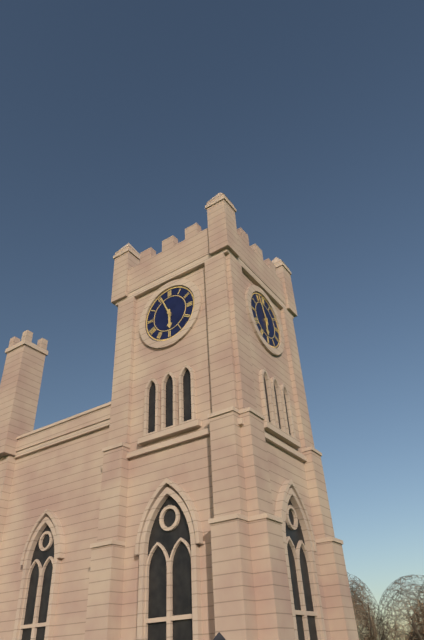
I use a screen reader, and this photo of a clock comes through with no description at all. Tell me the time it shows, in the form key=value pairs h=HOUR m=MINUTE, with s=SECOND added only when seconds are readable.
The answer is h=5 m=56
